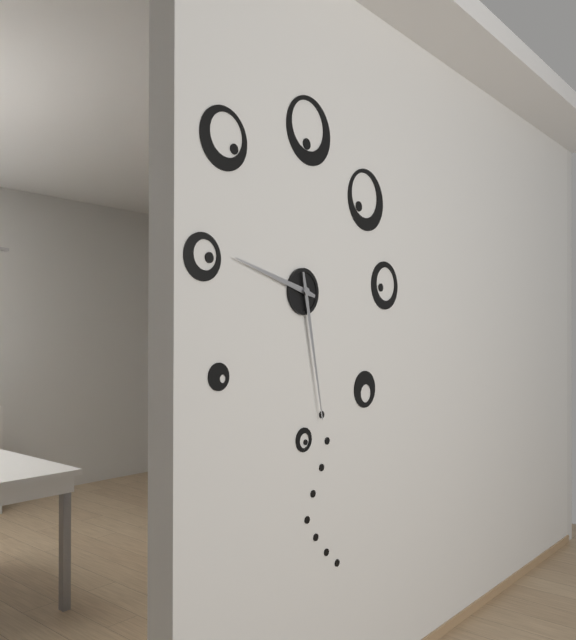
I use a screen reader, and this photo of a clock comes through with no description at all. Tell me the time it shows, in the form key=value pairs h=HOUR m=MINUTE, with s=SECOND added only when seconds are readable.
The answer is h=9 m=28
